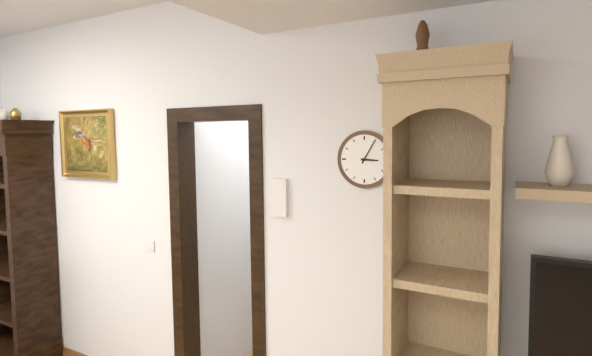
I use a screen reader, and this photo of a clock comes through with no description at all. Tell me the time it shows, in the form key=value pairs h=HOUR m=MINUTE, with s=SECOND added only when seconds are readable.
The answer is h=3 m=5
